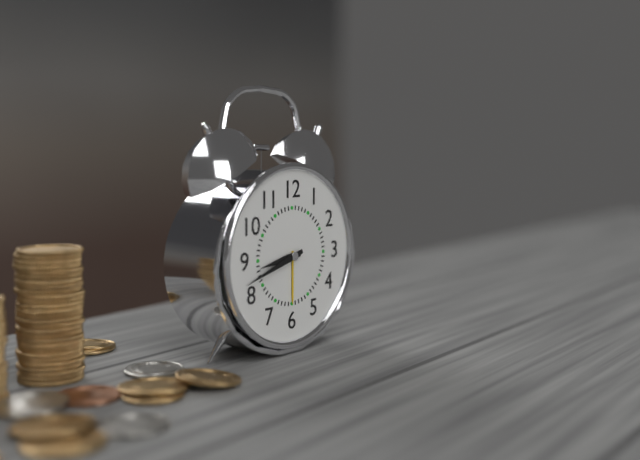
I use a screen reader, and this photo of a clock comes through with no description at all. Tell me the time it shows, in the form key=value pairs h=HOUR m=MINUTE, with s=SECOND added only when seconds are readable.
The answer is h=8 m=42
